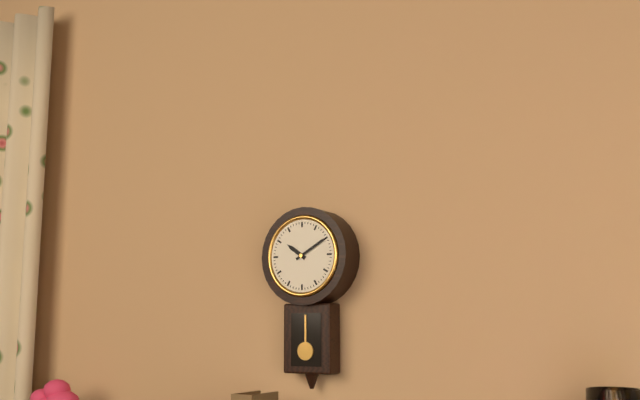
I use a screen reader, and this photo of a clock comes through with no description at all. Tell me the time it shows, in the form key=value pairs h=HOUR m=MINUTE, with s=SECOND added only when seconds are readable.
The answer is h=10 m=10
